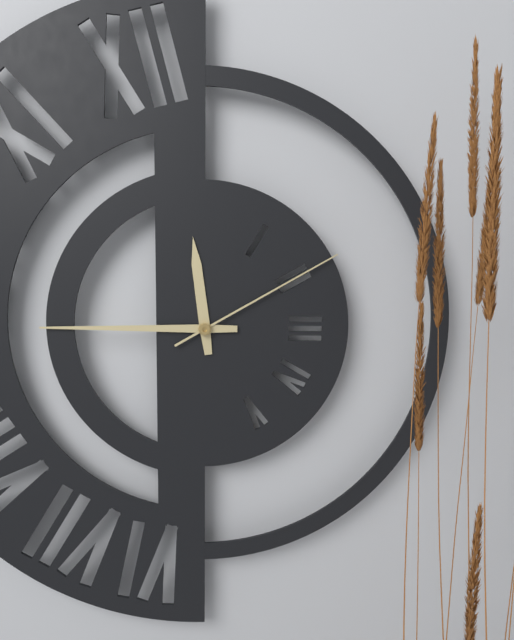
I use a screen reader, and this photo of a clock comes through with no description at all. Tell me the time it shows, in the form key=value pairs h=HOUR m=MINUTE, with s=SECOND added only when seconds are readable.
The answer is h=11 m=45 s=10
